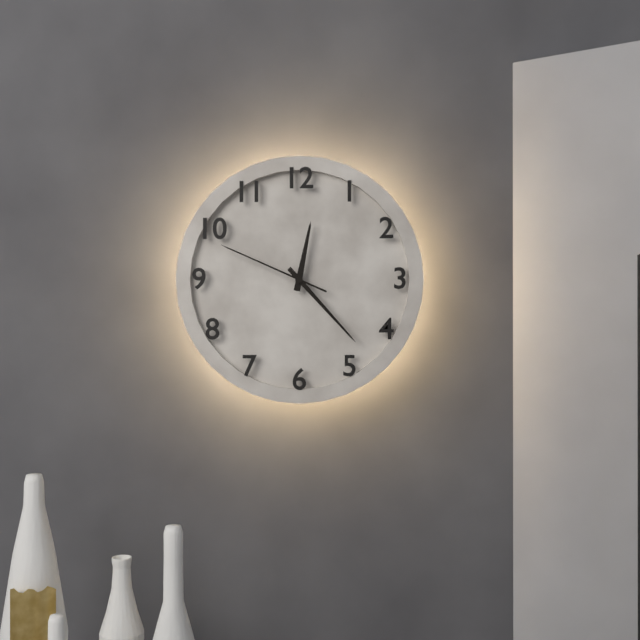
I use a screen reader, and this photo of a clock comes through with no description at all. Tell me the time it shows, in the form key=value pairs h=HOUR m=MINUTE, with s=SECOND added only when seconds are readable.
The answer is h=12 m=23 s=49
